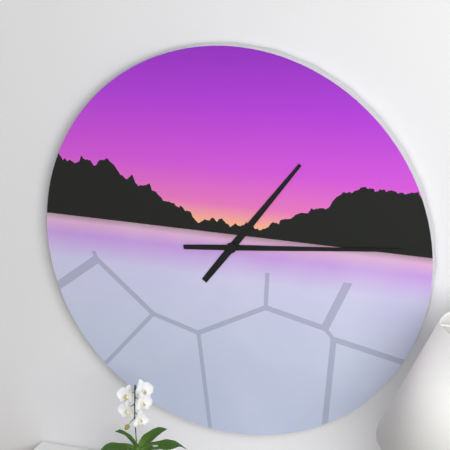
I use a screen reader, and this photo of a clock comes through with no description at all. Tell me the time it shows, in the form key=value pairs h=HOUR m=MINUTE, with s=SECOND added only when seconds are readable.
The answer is h=1 m=14
